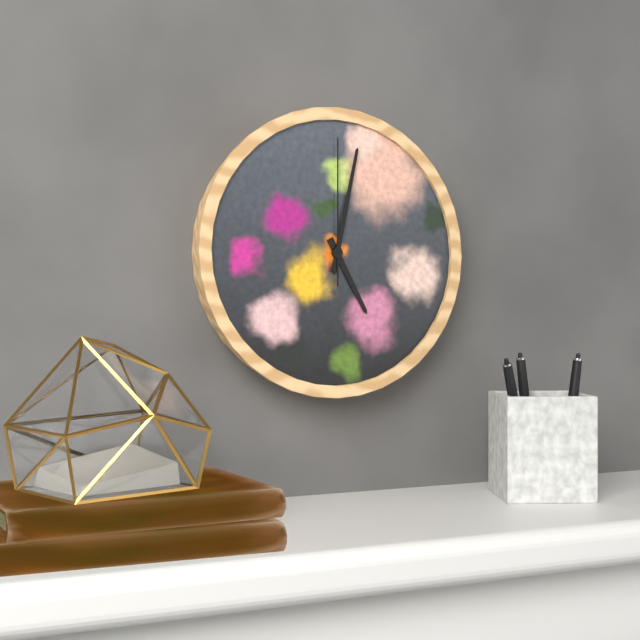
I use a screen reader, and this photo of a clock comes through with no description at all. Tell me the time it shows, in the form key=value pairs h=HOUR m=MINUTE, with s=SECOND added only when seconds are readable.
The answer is h=5 m=2 s=0
